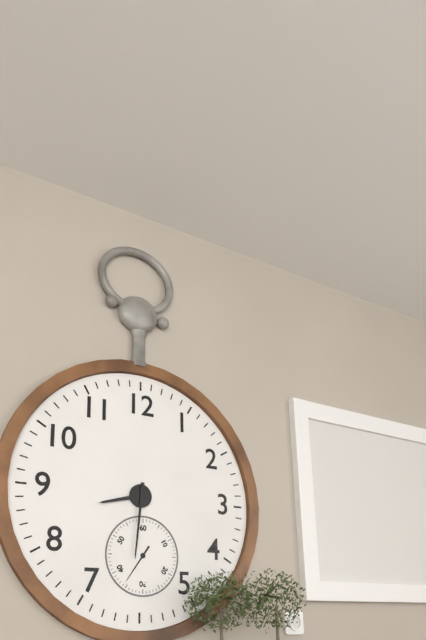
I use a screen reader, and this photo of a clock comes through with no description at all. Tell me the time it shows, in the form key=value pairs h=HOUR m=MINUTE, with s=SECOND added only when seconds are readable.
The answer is h=8 m=31
